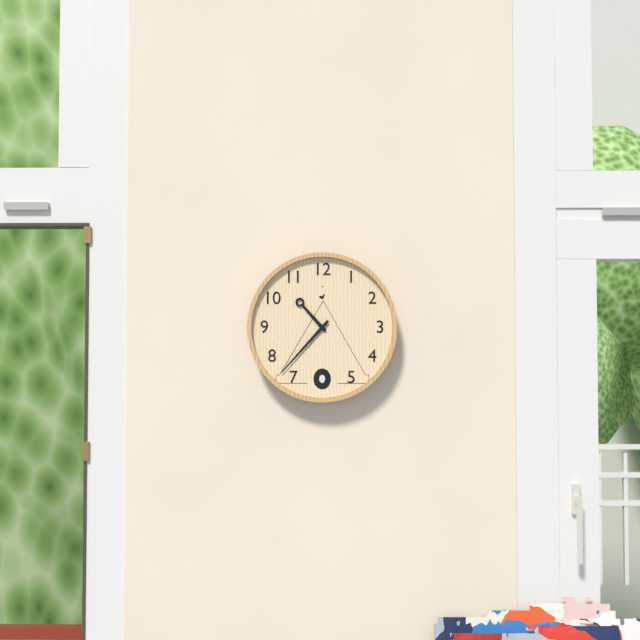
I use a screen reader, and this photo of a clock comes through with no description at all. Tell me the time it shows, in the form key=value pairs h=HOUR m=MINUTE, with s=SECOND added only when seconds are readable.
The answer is h=10 m=37
